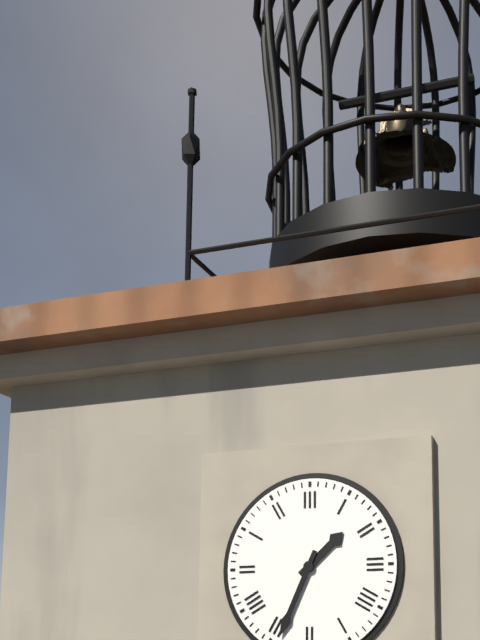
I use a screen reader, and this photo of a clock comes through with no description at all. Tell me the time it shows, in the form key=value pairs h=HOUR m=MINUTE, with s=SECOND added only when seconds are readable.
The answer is h=1 m=34
